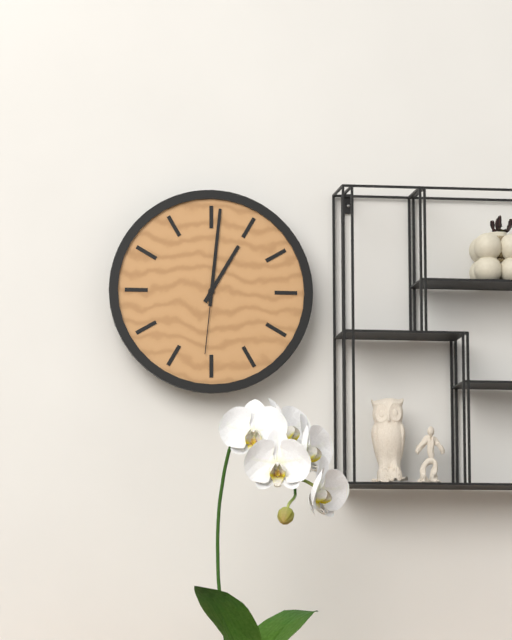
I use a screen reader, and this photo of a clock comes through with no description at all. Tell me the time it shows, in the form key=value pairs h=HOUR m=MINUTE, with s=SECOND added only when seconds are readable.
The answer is h=1 m=1 s=31
